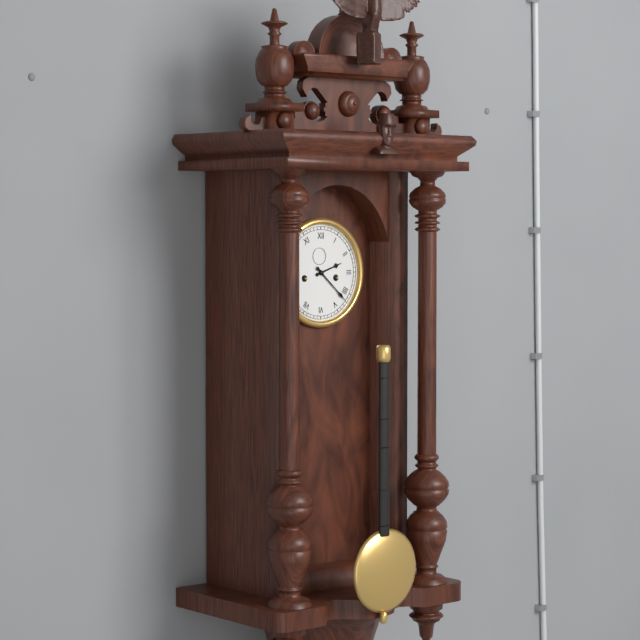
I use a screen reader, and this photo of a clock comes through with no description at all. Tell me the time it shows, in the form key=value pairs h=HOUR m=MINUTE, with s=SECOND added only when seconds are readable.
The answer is h=2 m=22
